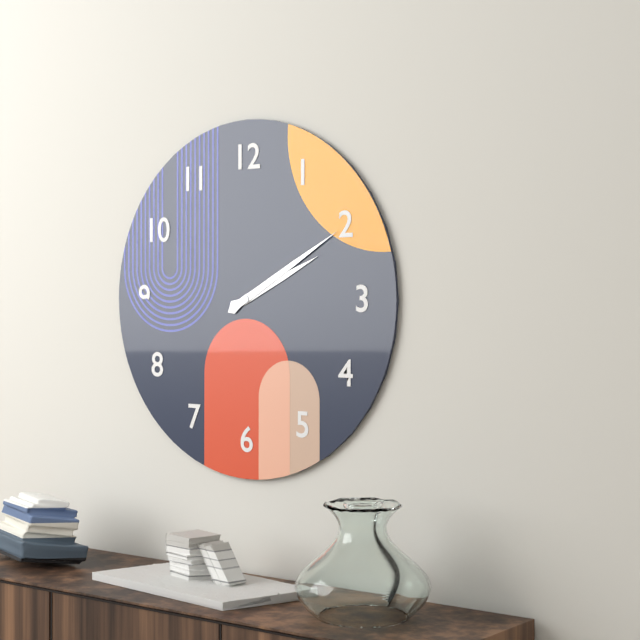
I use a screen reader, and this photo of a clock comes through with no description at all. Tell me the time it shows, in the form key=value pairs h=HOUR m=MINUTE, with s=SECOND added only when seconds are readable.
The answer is h=2 m=10
